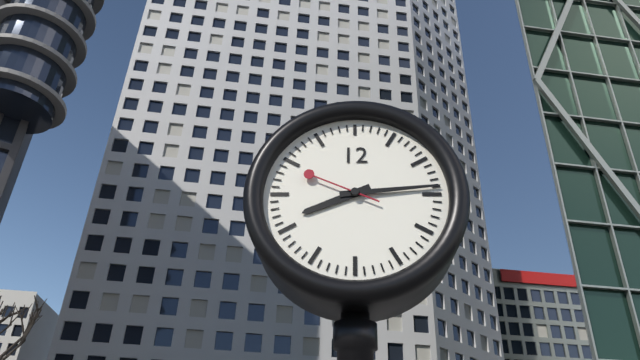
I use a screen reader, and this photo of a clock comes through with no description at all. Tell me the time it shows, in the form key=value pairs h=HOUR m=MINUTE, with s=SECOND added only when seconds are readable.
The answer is h=8 m=14 s=49
